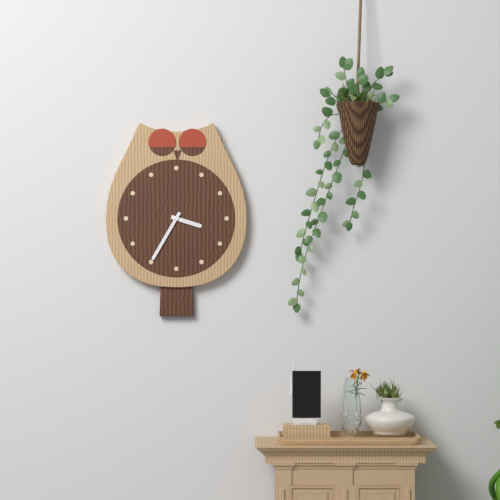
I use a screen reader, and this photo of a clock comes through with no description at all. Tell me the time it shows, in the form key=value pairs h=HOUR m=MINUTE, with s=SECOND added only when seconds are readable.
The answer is h=3 m=35
